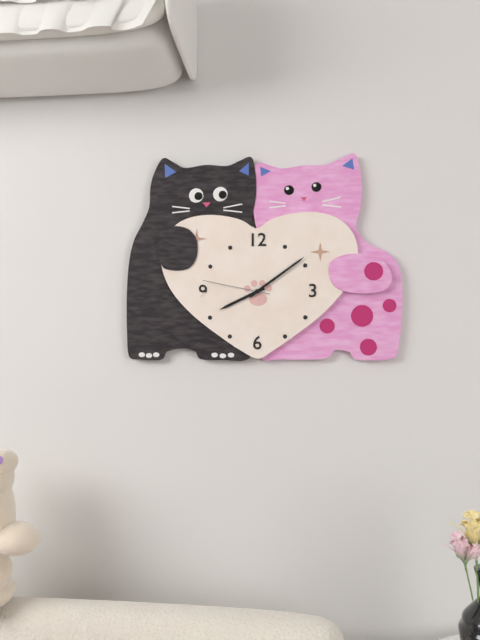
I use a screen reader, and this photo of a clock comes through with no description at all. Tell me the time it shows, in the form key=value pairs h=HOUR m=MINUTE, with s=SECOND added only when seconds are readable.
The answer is h=8 m=9 s=47
